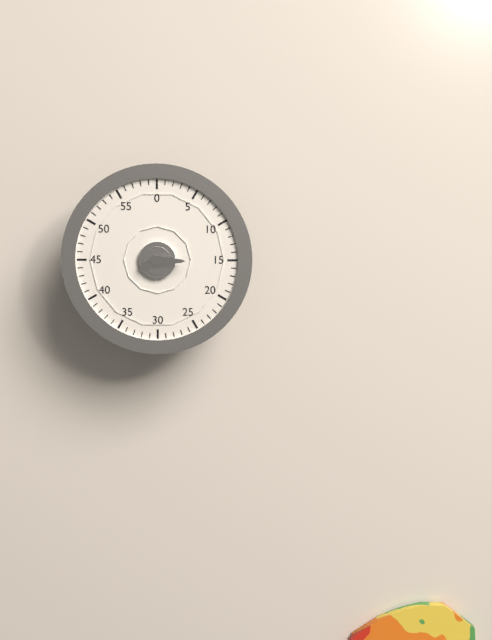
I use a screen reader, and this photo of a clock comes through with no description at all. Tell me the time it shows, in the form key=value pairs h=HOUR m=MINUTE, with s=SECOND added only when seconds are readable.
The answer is h=8 m=15
